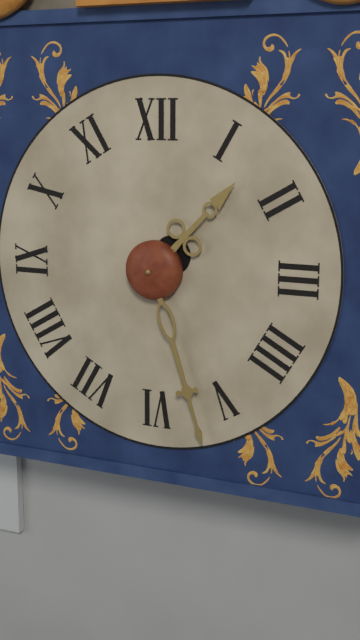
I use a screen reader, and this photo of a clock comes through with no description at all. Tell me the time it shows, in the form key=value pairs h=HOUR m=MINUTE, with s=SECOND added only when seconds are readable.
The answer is h=1 m=27
